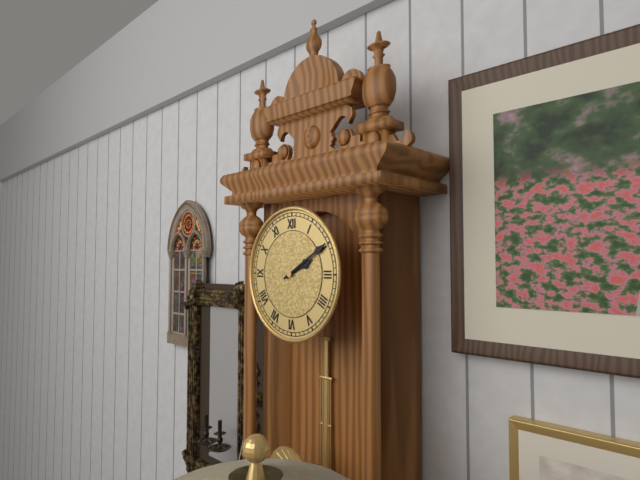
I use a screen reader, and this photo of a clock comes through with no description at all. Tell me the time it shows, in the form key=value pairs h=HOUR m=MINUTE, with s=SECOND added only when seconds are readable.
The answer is h=2 m=10
